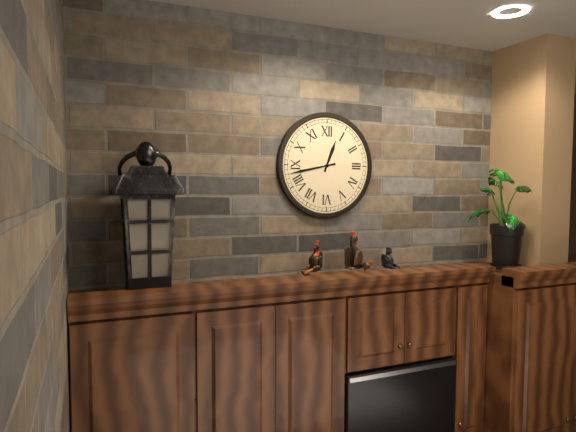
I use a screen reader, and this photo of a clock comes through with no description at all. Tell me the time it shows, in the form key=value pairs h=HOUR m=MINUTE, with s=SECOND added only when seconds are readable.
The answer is h=12 m=43
